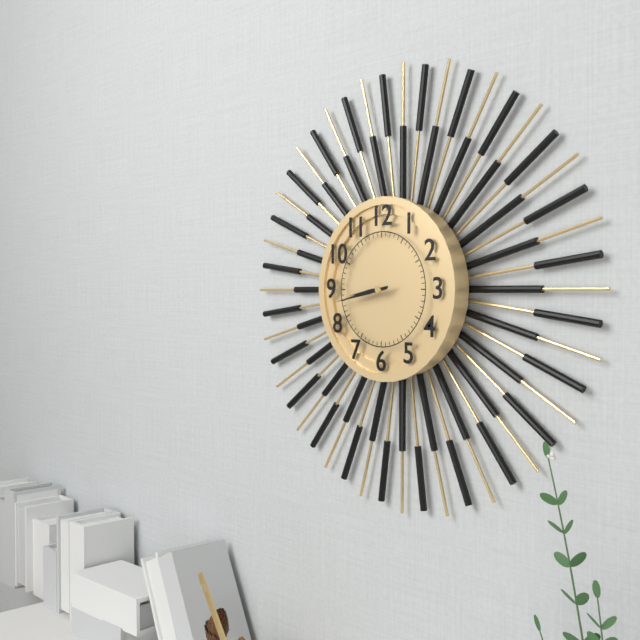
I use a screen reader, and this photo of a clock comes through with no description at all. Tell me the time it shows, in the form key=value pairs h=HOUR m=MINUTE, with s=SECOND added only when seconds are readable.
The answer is h=8 m=43
